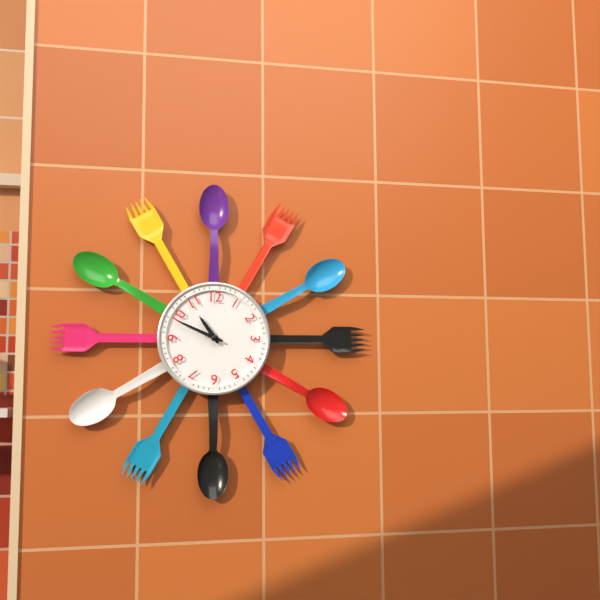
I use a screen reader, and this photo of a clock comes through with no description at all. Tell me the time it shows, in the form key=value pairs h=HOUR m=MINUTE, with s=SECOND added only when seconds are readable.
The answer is h=10 m=49
